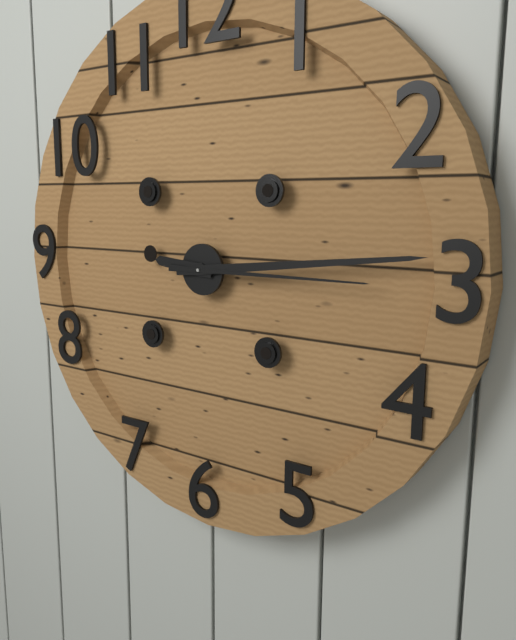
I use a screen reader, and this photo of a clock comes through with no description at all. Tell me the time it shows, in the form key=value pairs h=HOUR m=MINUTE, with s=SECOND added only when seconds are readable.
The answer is h=9 m=14 s=15
